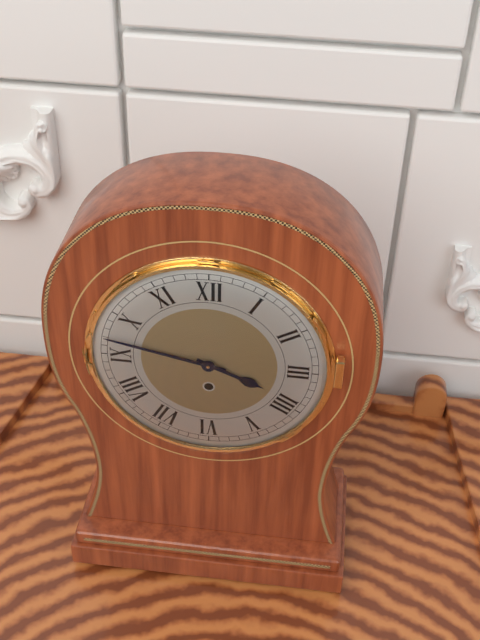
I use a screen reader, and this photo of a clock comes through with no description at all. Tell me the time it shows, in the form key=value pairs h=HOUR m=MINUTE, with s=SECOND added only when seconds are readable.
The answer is h=3 m=47
